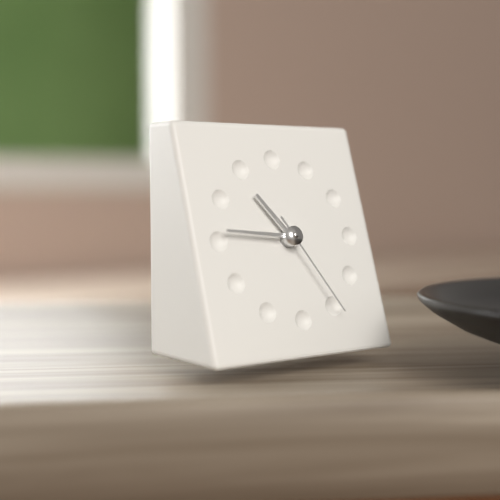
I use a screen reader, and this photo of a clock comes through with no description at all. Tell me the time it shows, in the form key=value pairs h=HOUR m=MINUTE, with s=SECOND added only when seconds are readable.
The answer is h=10 m=46 s=25
